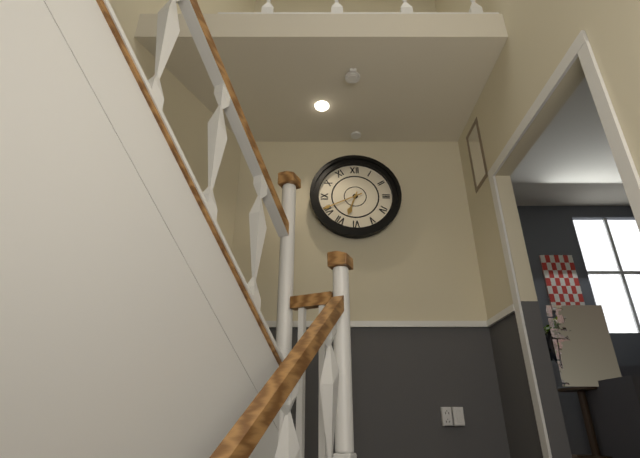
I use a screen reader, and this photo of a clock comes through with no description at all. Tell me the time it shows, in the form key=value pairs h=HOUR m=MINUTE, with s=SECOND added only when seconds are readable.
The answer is h=6 m=41
